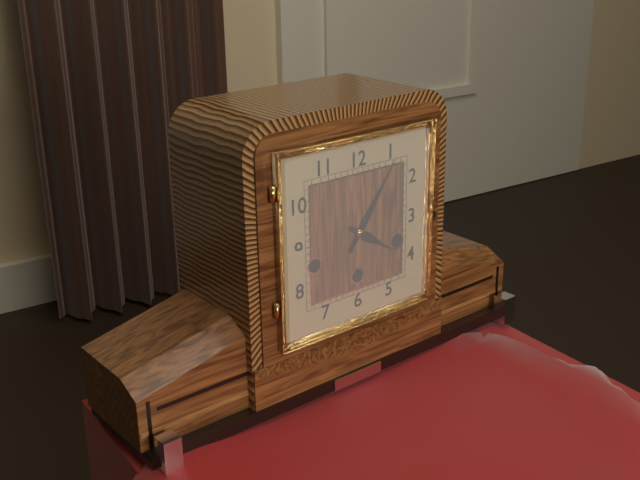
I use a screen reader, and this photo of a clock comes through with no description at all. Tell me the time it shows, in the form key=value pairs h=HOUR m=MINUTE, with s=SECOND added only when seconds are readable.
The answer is h=4 m=6
